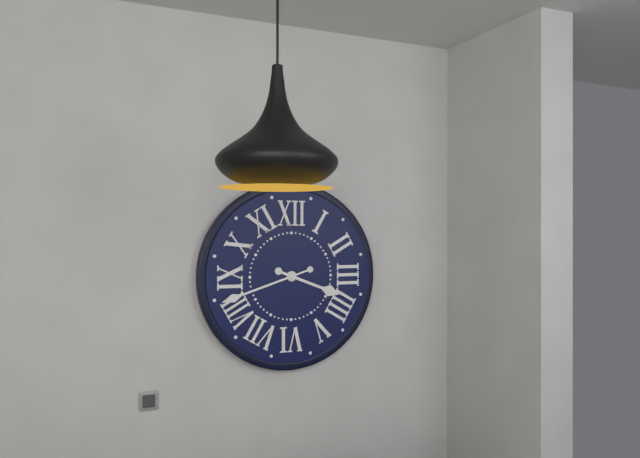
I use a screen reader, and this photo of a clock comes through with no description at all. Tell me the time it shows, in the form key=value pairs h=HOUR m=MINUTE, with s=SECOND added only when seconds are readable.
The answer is h=3 m=42
